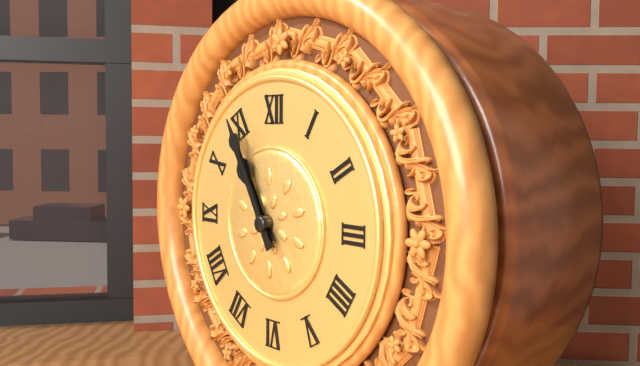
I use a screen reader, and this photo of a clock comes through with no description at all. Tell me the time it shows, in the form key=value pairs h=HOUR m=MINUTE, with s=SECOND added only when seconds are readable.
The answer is h=10 m=55
